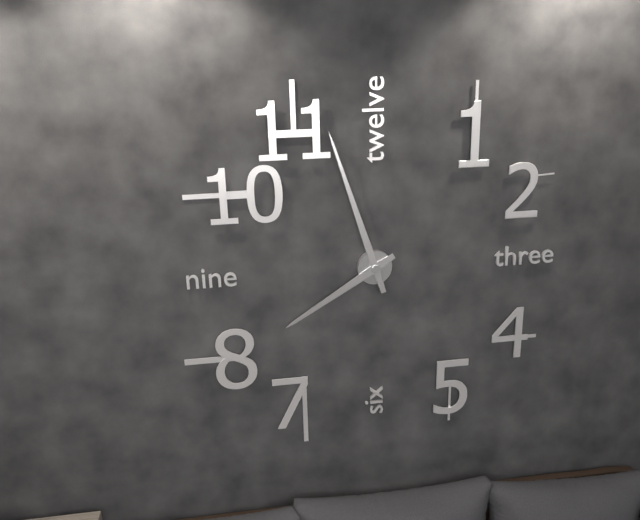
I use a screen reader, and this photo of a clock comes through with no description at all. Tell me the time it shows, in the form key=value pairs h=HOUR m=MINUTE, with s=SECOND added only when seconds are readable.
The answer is h=7 m=57
